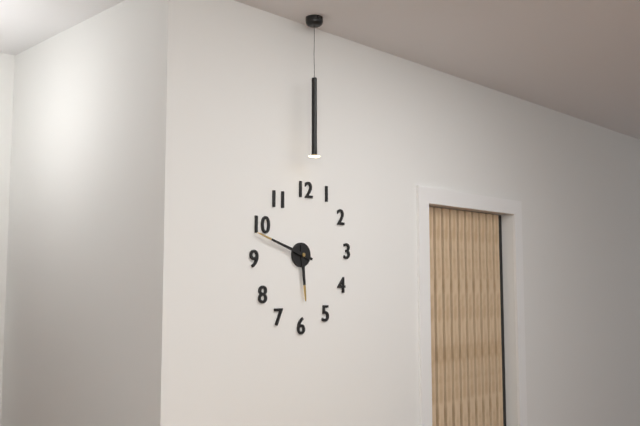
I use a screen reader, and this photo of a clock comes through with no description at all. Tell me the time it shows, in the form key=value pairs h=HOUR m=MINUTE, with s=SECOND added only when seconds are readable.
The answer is h=5 m=48
